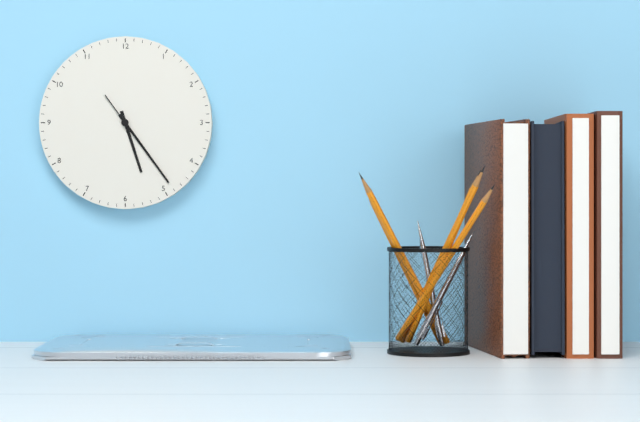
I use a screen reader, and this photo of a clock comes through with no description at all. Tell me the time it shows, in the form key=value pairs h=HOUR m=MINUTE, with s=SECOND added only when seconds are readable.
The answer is h=5 m=24 s=24
